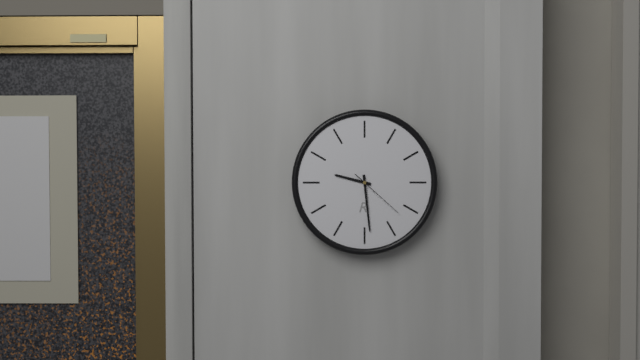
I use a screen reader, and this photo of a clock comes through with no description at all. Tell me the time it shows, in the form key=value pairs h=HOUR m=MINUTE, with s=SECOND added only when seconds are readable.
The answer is h=9 m=29 s=22
